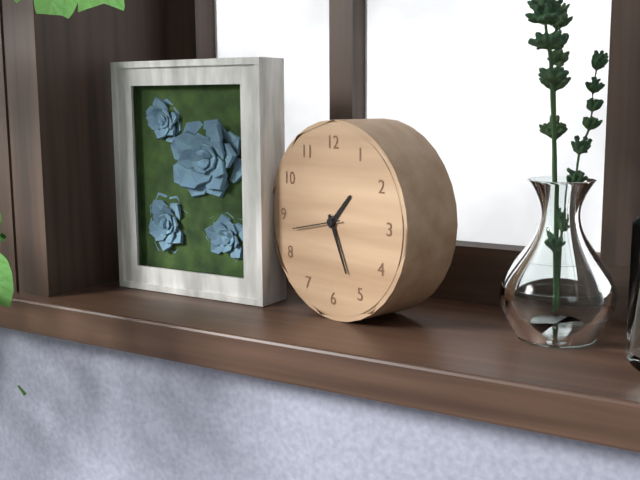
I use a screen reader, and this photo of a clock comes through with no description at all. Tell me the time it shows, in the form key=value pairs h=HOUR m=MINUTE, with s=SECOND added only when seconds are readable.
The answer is h=1 m=26 s=43
